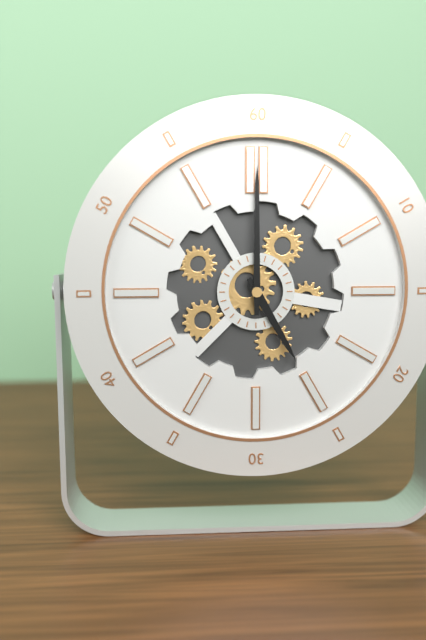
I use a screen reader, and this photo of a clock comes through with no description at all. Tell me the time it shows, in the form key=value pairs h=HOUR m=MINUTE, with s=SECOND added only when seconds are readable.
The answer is h=5 m=0
